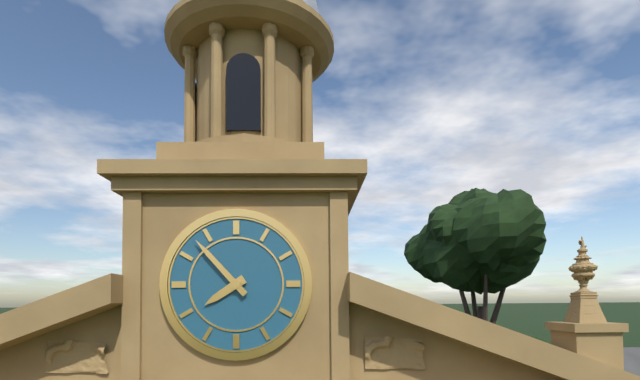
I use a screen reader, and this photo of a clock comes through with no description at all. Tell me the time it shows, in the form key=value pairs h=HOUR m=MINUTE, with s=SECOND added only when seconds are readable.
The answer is h=7 m=53
